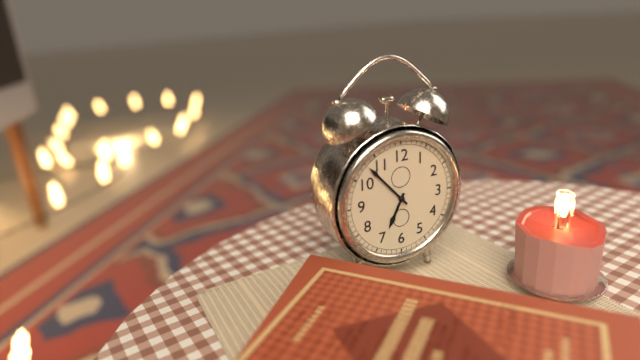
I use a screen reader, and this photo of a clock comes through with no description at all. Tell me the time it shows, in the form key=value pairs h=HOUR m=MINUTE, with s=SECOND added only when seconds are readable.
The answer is h=6 m=53
